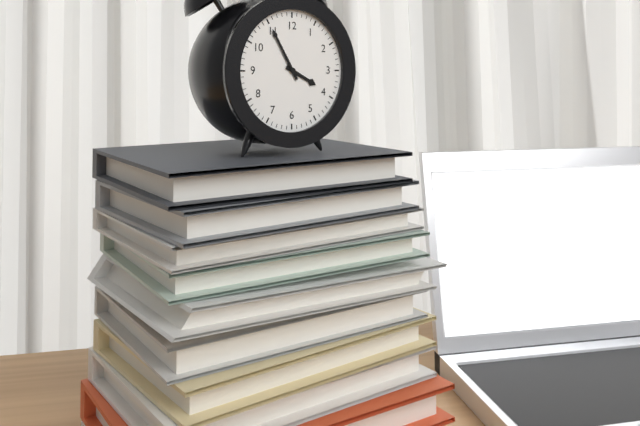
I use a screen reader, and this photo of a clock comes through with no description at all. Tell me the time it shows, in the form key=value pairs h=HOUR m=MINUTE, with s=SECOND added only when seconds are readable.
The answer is h=3 m=55
